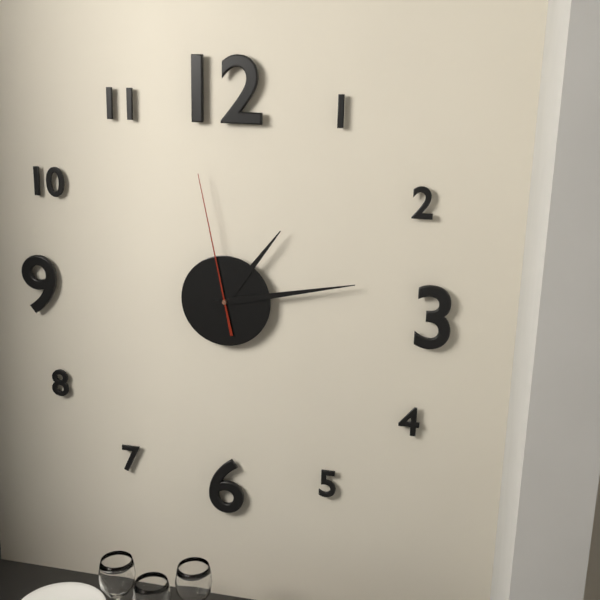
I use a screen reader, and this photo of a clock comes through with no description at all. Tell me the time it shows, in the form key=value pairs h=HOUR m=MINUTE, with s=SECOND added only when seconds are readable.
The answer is h=1 m=13 s=58
